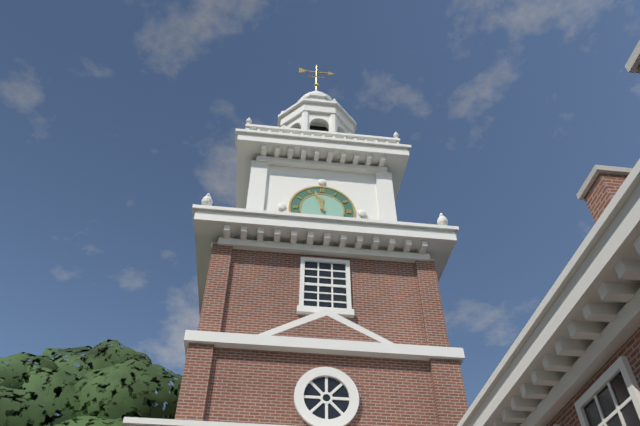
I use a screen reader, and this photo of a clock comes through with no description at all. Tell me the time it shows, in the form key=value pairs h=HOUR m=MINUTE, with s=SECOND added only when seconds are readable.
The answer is h=11 m=57
